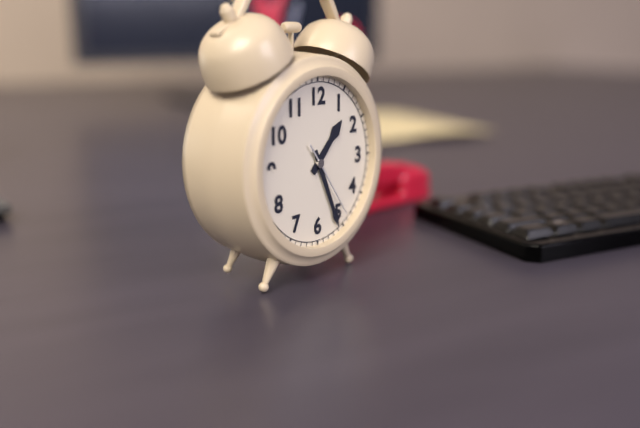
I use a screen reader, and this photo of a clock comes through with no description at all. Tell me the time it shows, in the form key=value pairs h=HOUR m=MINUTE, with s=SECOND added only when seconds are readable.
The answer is h=1 m=26 s=24
